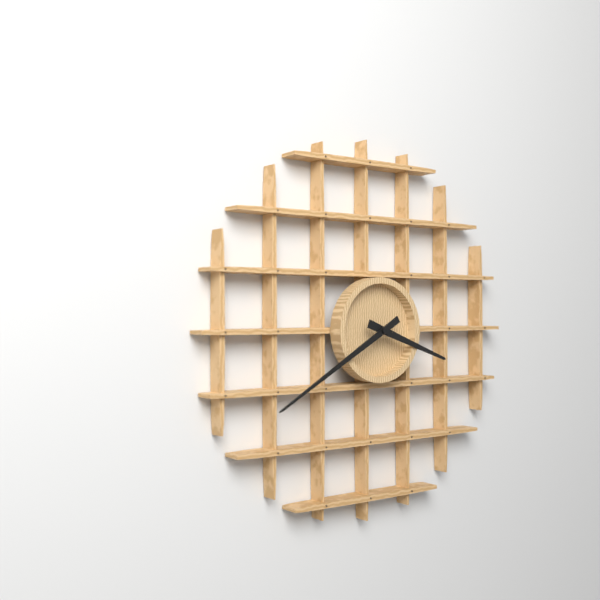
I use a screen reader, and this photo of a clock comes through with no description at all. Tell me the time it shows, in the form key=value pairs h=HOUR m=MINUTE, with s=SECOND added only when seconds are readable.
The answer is h=3 m=40
